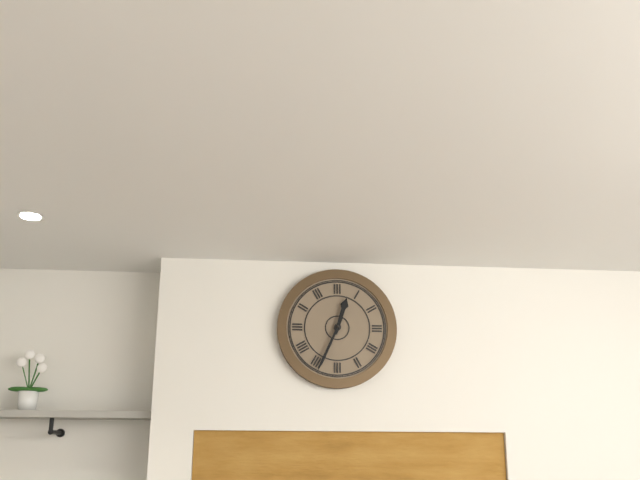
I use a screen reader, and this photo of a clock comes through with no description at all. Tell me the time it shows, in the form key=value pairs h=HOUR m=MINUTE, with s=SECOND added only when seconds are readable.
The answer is h=12 m=34
